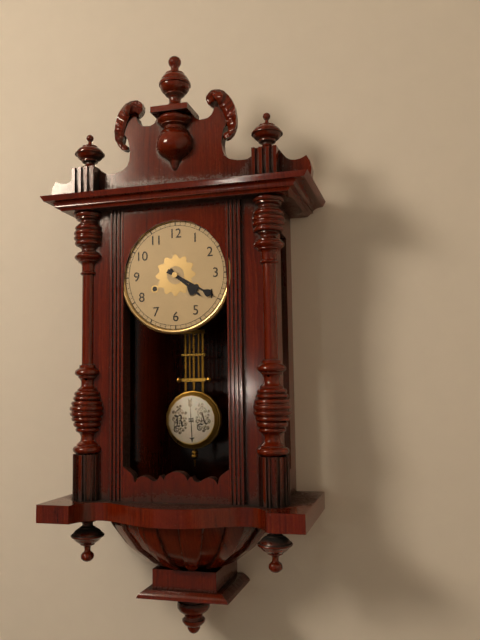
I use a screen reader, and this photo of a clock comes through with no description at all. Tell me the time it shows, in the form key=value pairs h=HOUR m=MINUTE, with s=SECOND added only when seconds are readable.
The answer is h=4 m=20
